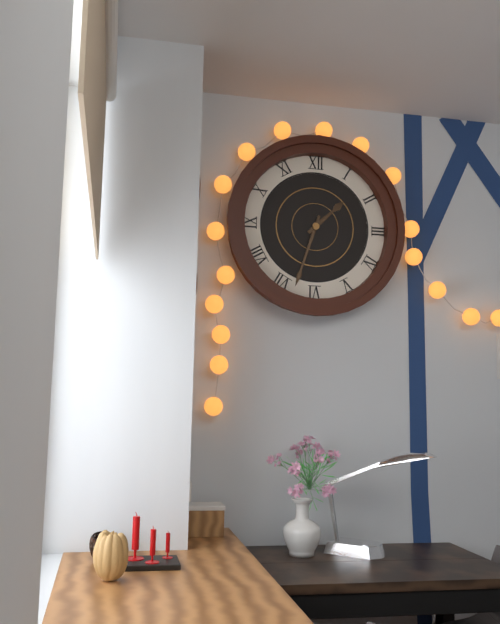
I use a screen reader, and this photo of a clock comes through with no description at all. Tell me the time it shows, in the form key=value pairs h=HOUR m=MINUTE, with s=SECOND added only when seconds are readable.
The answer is h=1 m=33
